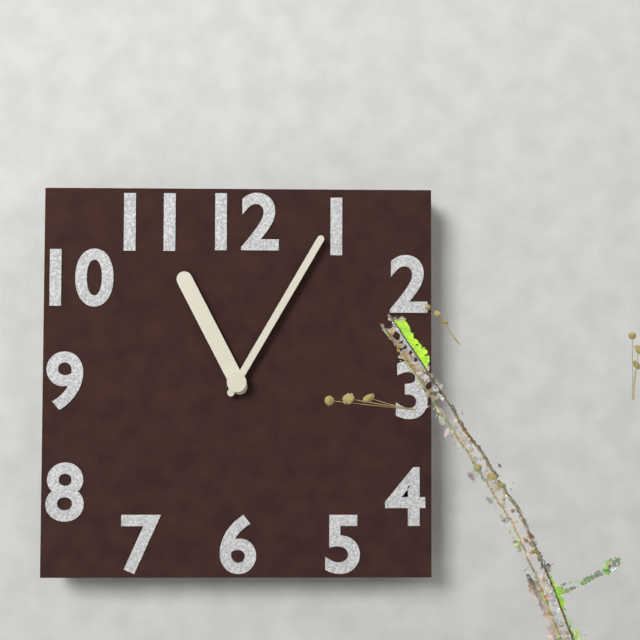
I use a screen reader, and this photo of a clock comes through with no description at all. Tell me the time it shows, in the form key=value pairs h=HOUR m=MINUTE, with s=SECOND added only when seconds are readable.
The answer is h=11 m=5
